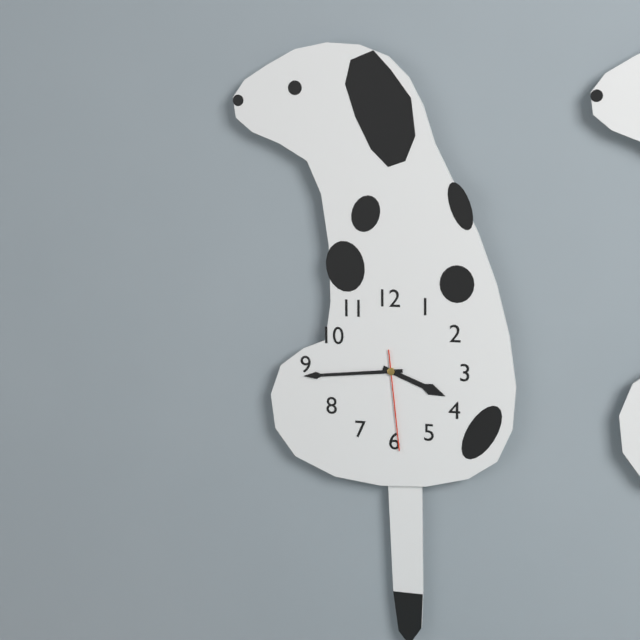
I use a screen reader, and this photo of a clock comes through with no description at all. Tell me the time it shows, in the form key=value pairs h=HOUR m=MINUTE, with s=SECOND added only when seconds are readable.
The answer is h=3 m=44 s=29
